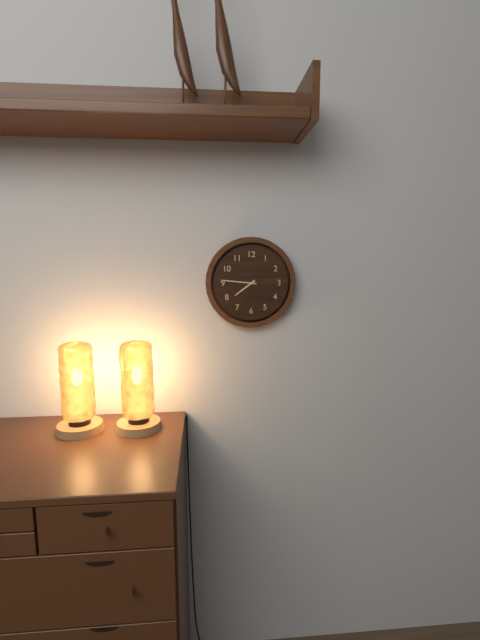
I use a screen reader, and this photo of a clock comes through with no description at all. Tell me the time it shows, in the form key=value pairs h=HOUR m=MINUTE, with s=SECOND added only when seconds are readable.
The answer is h=7 m=46
